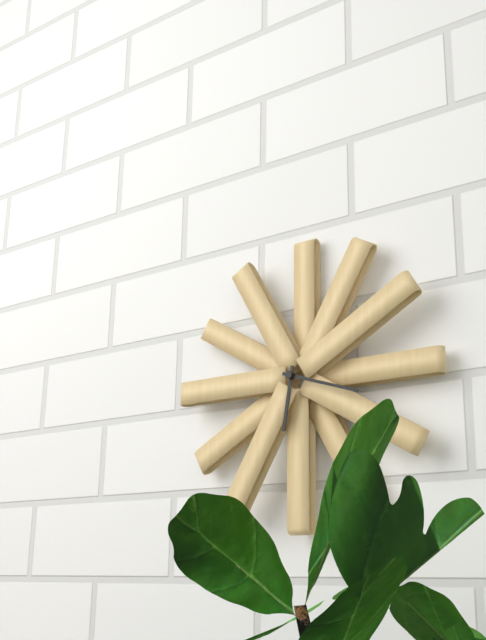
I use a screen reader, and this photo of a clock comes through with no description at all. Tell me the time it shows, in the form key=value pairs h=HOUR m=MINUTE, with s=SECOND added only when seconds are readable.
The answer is h=6 m=18
